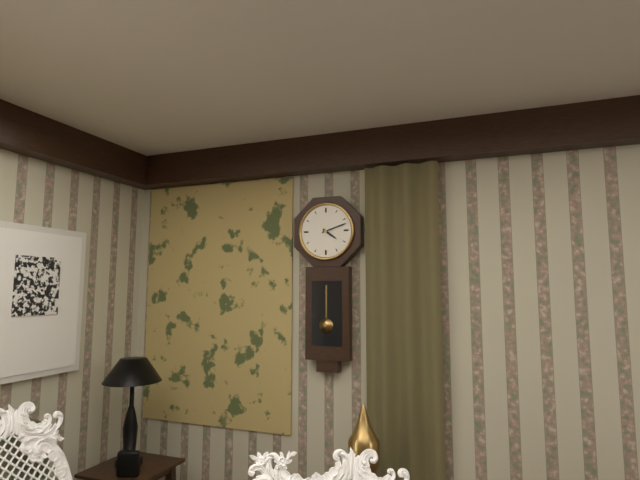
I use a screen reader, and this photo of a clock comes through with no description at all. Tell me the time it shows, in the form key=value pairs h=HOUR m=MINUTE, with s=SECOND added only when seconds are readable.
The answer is h=4 m=12
